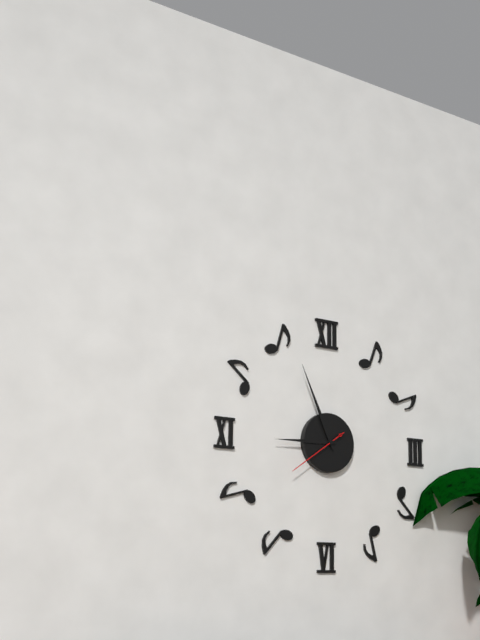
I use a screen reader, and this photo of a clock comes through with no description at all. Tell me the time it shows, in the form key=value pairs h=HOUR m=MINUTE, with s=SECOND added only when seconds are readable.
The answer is h=8 m=56 s=39
